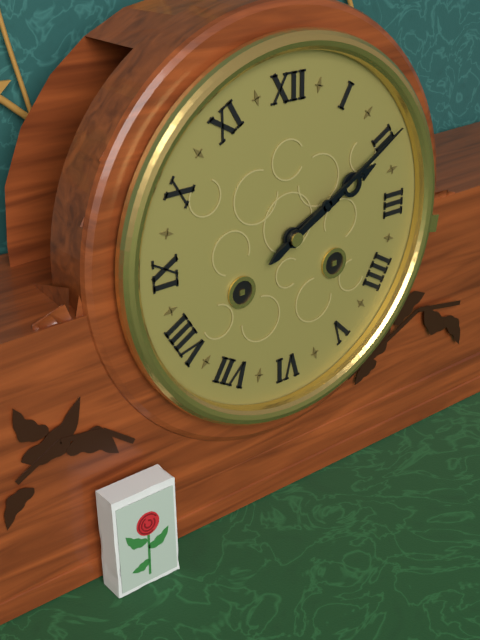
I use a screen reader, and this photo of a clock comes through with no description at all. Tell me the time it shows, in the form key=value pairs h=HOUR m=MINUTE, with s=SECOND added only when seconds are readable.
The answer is h=2 m=10
